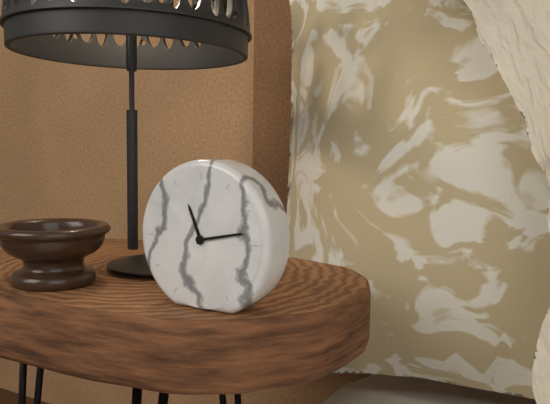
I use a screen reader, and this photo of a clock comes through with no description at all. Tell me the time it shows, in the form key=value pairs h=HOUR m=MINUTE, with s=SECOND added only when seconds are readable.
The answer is h=11 m=13
